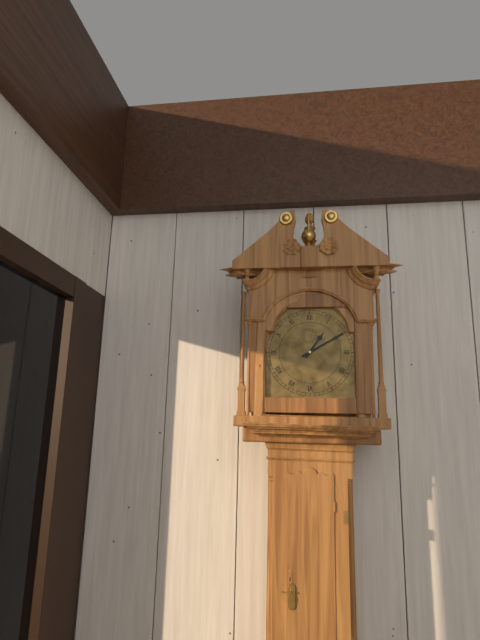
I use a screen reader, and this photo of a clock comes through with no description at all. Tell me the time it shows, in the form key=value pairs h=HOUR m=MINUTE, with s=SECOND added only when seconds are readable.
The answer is h=1 m=10
